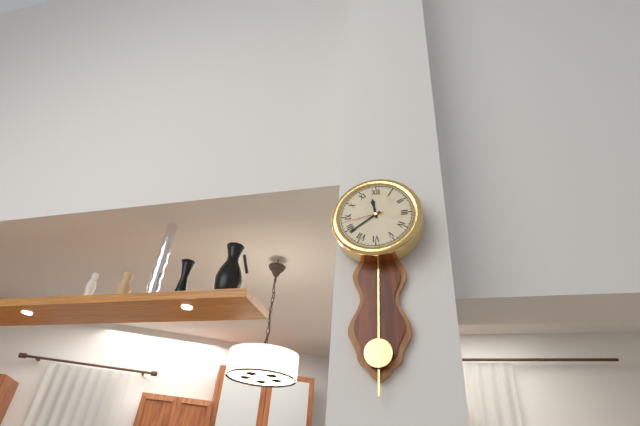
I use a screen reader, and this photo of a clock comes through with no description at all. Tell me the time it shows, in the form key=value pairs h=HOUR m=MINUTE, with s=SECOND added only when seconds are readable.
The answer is h=11 m=39
